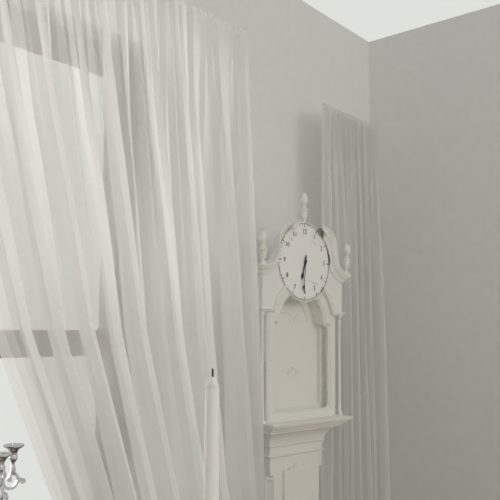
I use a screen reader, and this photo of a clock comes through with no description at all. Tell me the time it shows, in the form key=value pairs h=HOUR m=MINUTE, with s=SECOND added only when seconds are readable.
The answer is h=6 m=31
